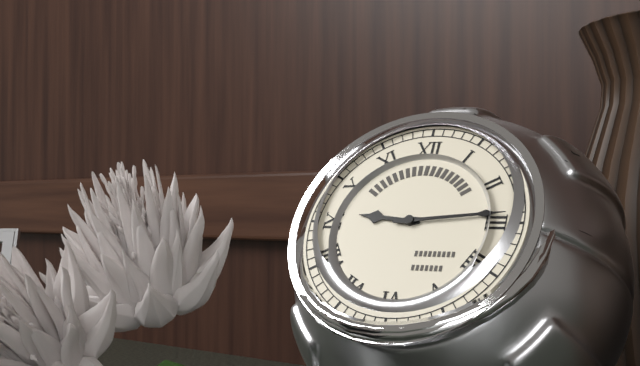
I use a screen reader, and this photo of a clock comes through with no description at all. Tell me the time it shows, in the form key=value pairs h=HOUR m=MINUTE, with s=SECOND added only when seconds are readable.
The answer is h=9 m=14
